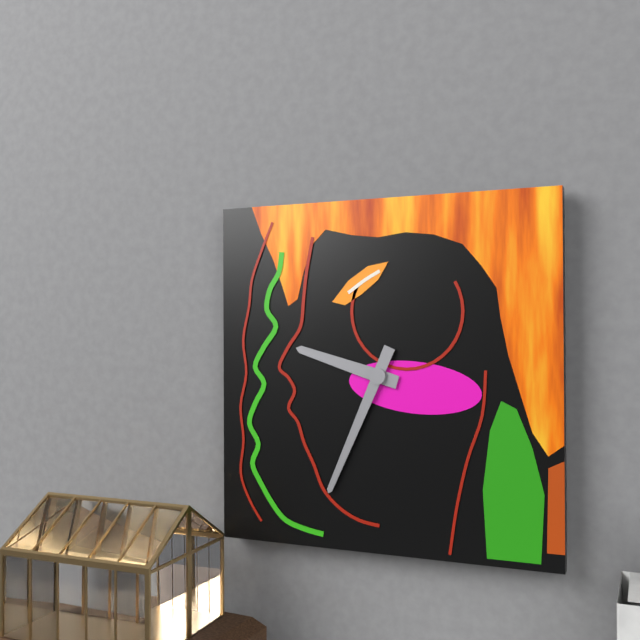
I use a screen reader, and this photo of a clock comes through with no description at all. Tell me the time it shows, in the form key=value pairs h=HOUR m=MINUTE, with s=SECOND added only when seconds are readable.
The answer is h=9 m=34
